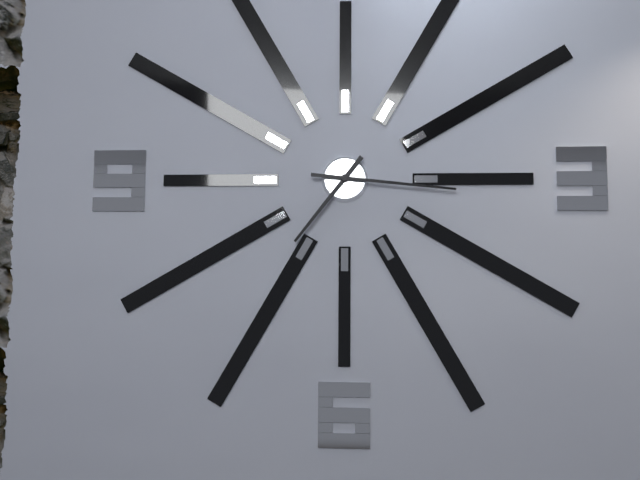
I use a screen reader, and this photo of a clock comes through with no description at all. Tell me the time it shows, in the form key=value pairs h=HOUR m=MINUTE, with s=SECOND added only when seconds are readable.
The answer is h=7 m=16
